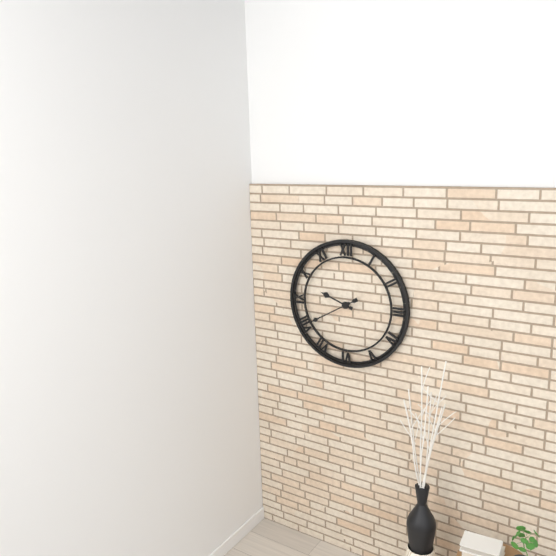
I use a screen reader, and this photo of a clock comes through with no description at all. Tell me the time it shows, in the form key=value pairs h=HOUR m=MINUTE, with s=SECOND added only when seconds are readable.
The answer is h=9 m=40
